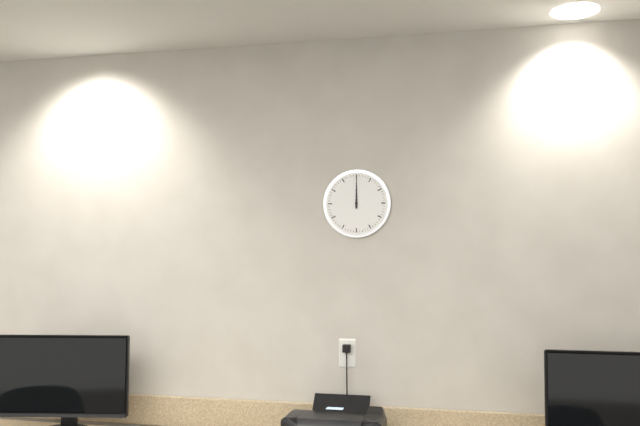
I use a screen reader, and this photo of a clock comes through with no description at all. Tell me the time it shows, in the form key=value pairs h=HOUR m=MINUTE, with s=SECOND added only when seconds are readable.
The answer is h=12 m=0
